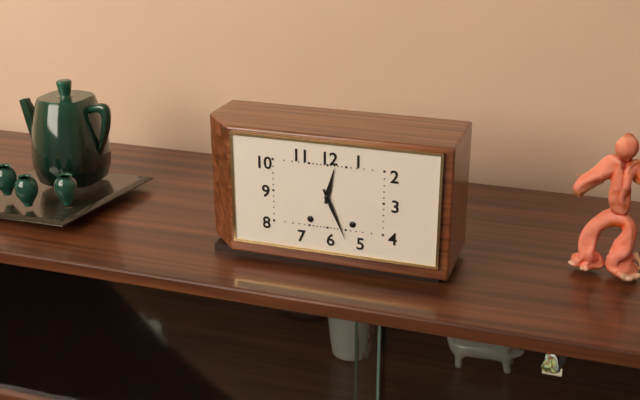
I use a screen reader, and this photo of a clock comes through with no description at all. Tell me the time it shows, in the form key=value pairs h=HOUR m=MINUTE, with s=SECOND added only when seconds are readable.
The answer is h=12 m=26
